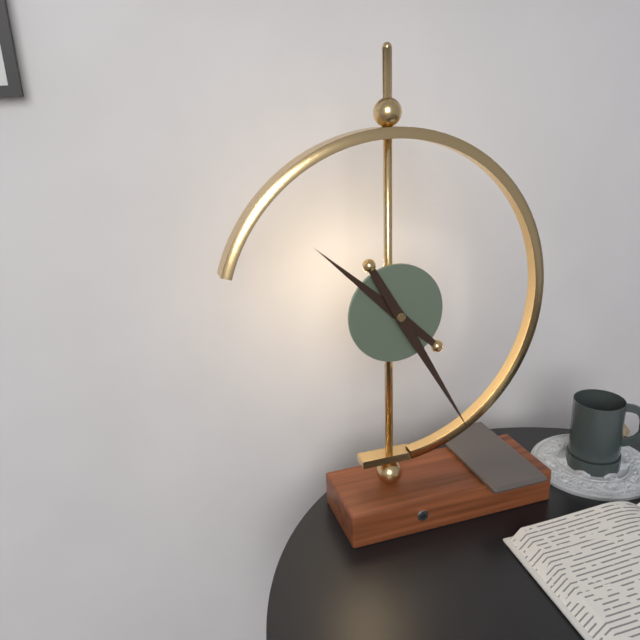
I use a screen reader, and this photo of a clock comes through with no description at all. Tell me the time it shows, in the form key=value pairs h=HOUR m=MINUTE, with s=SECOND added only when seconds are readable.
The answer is h=10 m=25
